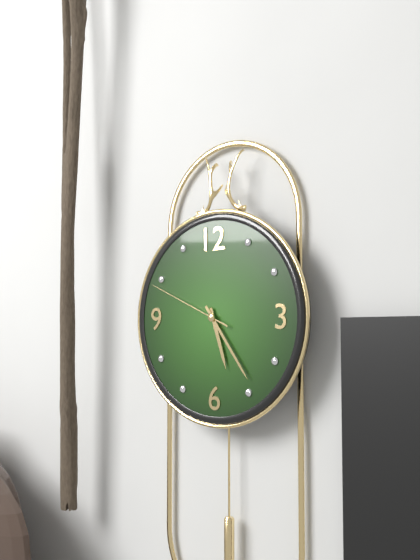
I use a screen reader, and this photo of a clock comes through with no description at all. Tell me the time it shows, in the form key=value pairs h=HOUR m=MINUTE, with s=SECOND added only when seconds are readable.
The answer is h=5 m=24 s=49
